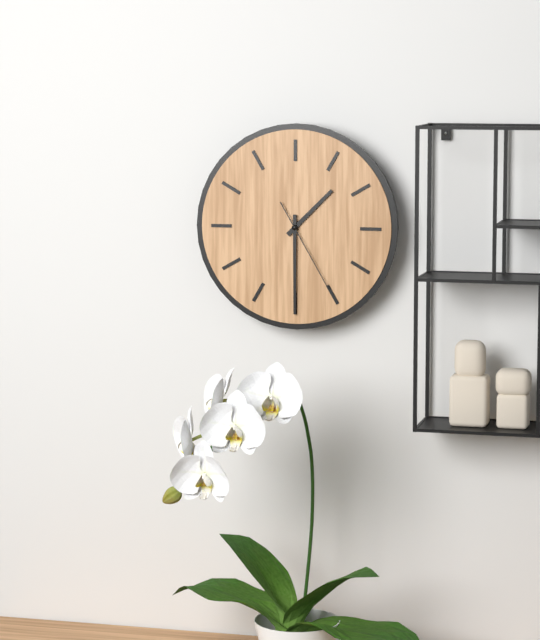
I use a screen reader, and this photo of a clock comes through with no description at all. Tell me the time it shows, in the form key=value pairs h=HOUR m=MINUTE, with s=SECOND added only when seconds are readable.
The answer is h=1 m=30 s=25
